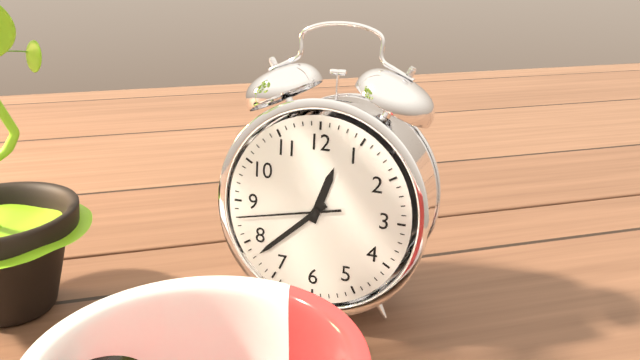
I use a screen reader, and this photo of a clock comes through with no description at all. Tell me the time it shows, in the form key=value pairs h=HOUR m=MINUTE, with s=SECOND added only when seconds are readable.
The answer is h=12 m=38 s=43
